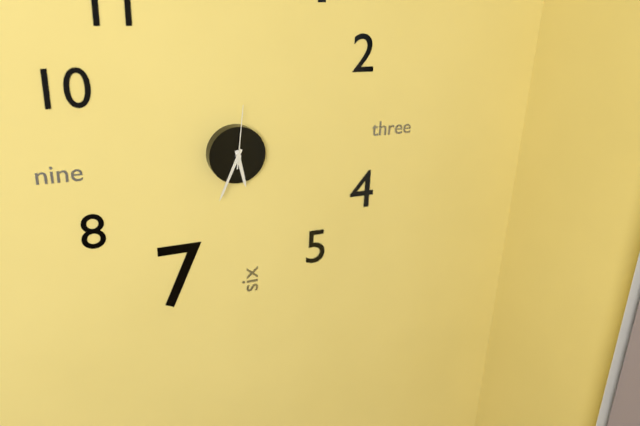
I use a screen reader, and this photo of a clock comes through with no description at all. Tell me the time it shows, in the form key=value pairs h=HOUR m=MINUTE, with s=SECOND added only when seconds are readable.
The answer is h=5 m=34 s=1
